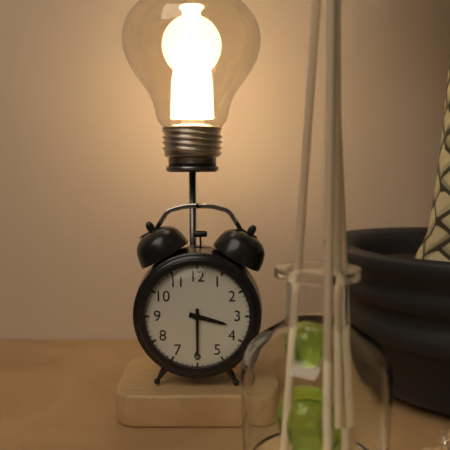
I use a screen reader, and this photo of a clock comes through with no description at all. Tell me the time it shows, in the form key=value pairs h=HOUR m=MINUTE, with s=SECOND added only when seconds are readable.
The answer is h=3 m=30
